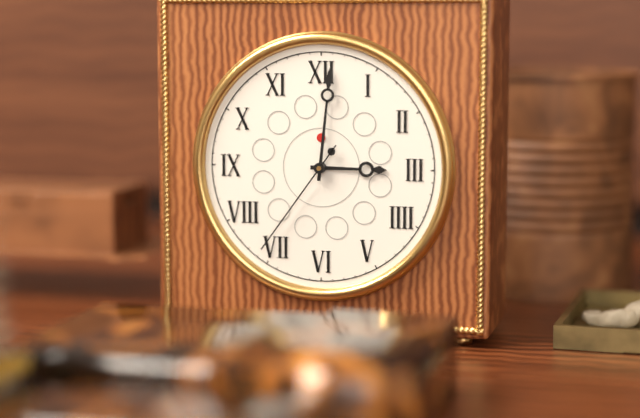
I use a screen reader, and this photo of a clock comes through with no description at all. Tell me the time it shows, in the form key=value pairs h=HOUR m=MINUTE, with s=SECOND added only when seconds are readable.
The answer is h=3 m=1 s=36
